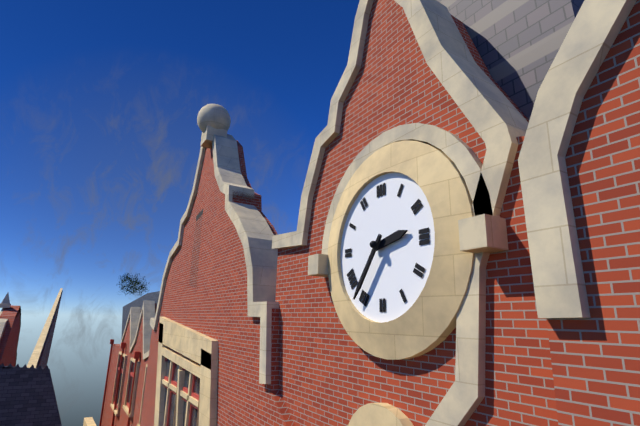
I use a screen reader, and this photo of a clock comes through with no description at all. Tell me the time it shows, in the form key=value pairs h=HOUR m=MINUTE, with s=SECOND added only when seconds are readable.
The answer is h=2 m=36
